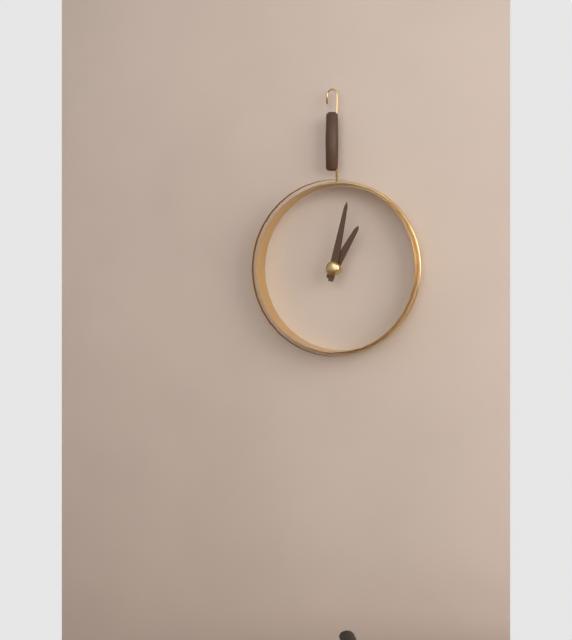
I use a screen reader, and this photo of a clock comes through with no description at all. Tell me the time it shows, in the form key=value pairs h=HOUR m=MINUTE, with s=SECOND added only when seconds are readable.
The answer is h=1 m=2
